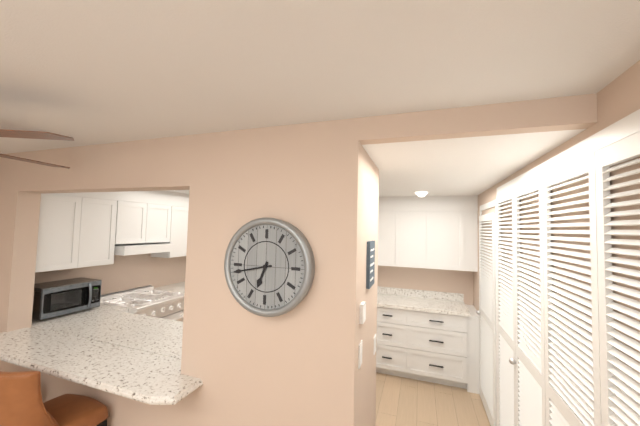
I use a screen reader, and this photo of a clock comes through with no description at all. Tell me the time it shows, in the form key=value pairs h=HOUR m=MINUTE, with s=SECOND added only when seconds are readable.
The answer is h=6 m=43
